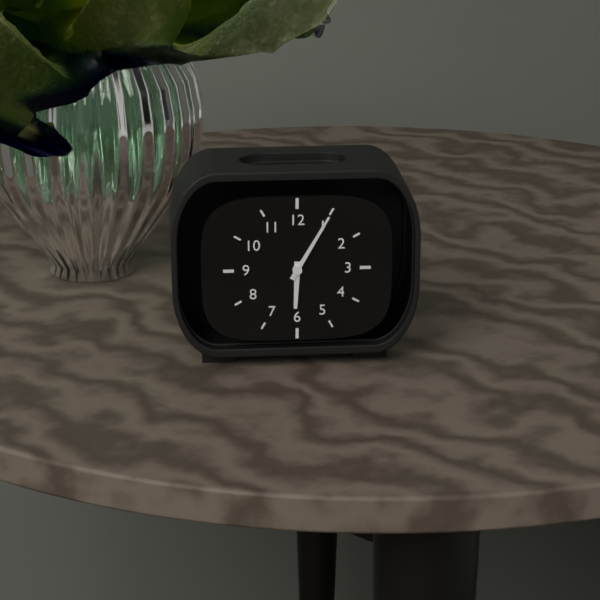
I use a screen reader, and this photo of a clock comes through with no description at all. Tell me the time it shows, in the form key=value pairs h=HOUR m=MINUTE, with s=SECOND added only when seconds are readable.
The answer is h=6 m=5
